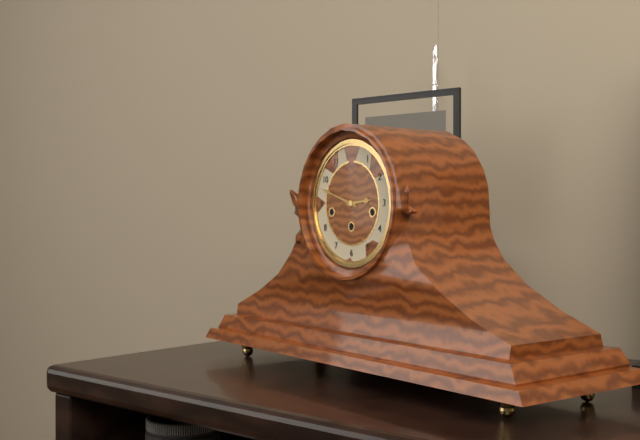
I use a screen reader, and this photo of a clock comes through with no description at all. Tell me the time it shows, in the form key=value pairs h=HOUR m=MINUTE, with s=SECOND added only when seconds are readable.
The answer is h=2 m=48
